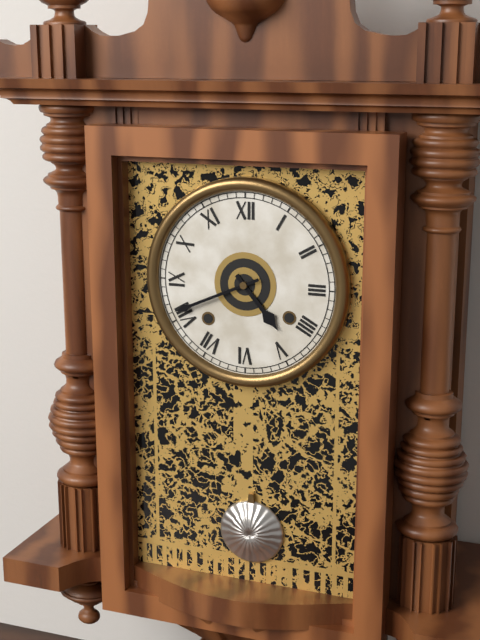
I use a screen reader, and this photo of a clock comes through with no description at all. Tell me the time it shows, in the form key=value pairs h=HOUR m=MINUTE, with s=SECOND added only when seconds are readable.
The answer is h=4 m=41
